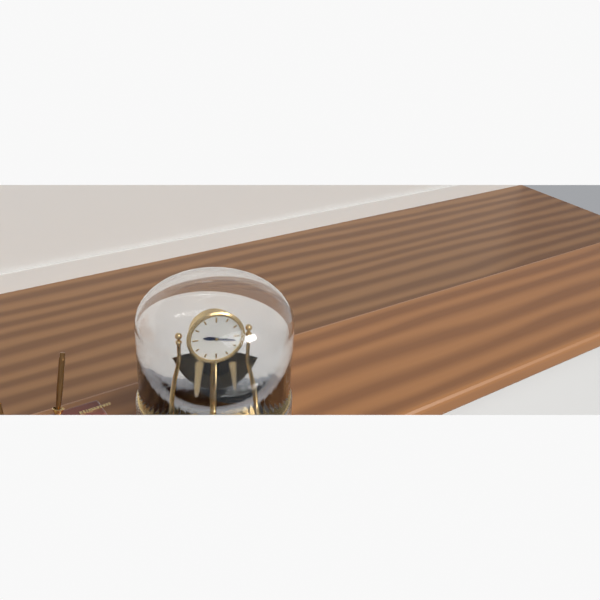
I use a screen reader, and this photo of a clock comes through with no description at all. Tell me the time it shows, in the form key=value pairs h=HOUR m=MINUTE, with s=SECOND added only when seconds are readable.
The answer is h=9 m=17
